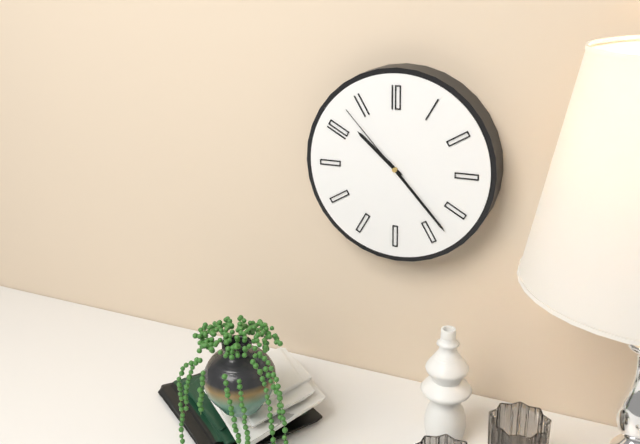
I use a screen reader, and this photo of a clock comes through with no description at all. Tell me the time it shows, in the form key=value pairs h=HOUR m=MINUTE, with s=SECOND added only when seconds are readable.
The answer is h=10 m=23 s=53
